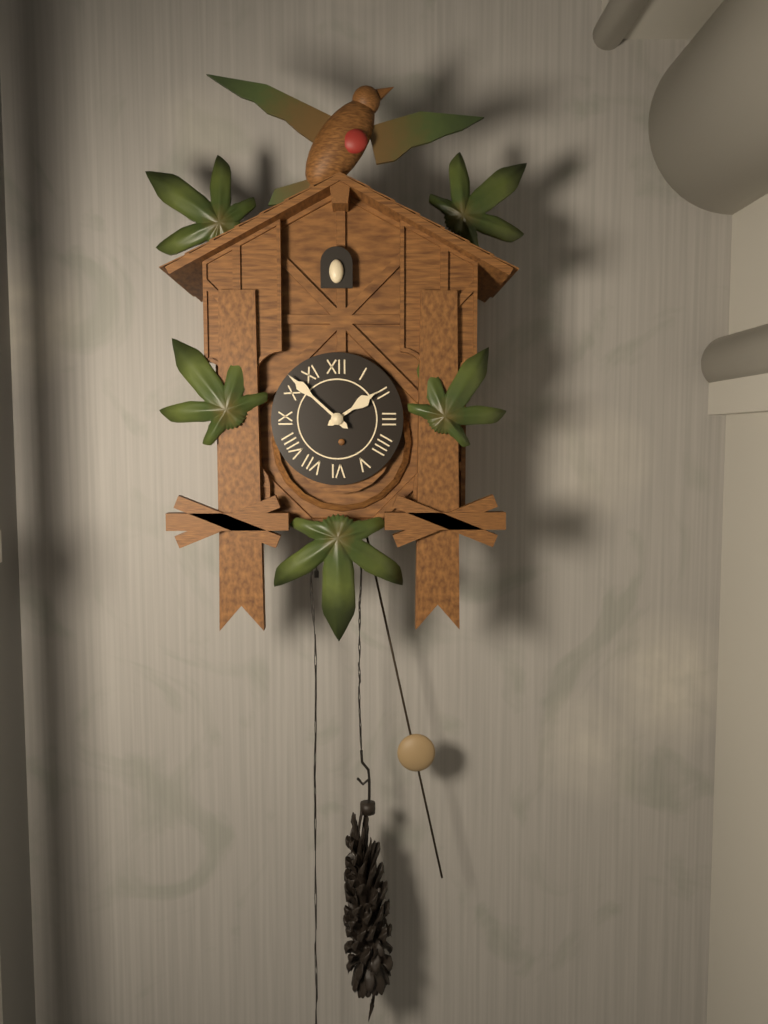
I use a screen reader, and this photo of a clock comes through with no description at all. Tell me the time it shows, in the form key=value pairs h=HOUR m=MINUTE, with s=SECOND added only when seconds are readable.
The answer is h=1 m=52
